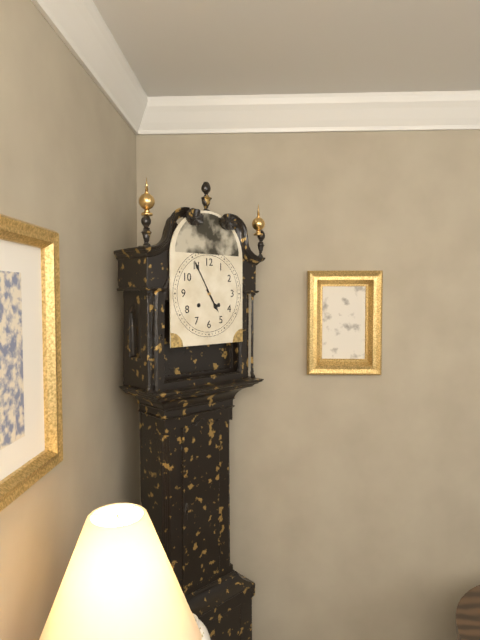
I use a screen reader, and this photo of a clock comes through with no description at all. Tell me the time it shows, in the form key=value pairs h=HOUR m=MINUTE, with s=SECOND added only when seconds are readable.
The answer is h=4 m=55
